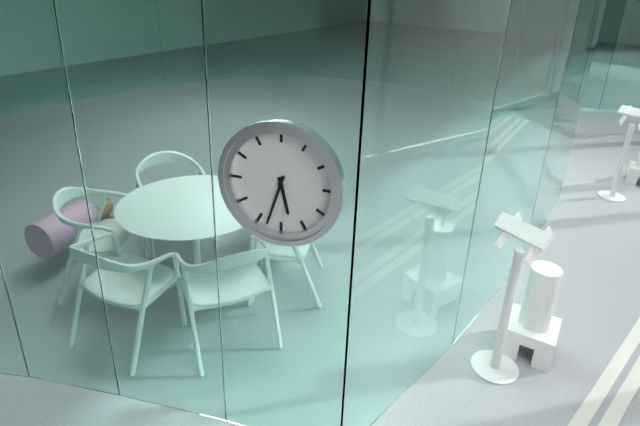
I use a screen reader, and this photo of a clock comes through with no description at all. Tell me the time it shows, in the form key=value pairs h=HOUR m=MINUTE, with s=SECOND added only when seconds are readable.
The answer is h=5 m=33
